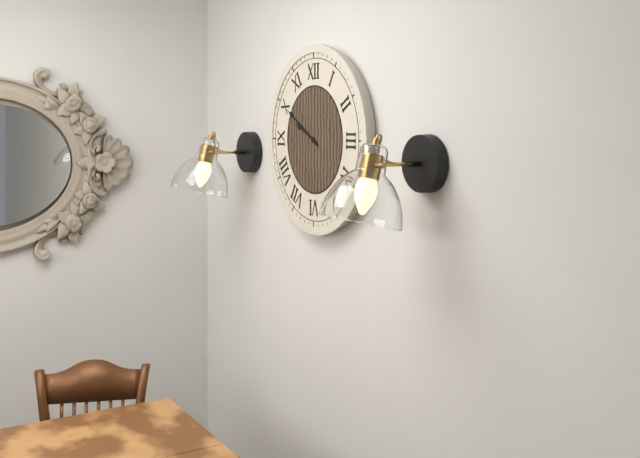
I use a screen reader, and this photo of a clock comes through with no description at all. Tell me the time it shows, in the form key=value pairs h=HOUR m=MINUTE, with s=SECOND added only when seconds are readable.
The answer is h=9 m=50
